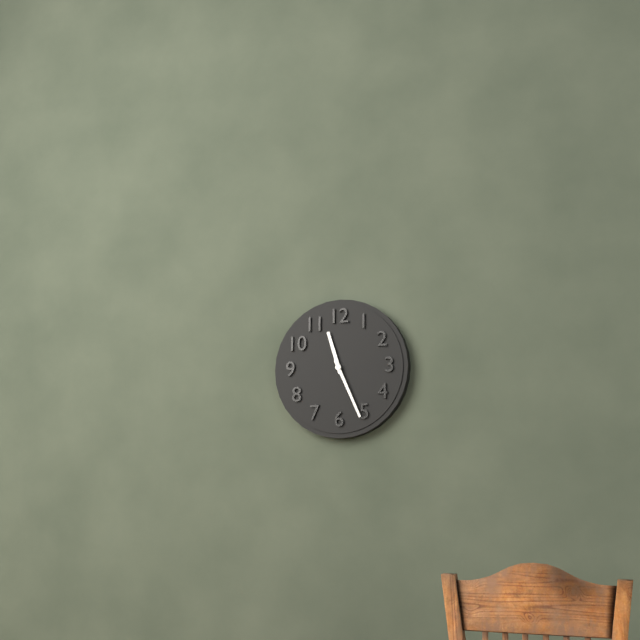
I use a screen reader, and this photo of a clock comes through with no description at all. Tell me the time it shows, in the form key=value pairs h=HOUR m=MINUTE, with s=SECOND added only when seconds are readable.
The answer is h=11 m=26
